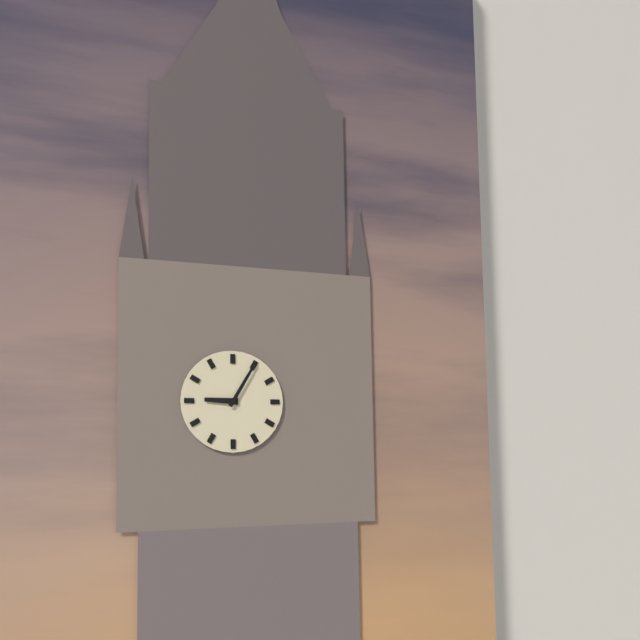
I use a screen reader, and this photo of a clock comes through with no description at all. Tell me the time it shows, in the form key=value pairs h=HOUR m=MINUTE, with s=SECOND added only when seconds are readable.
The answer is h=9 m=5
